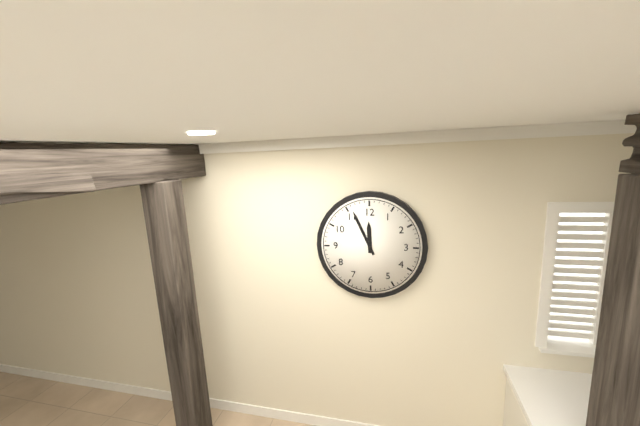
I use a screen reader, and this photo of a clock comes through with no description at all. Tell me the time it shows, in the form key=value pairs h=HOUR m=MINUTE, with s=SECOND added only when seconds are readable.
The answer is h=11 m=56
